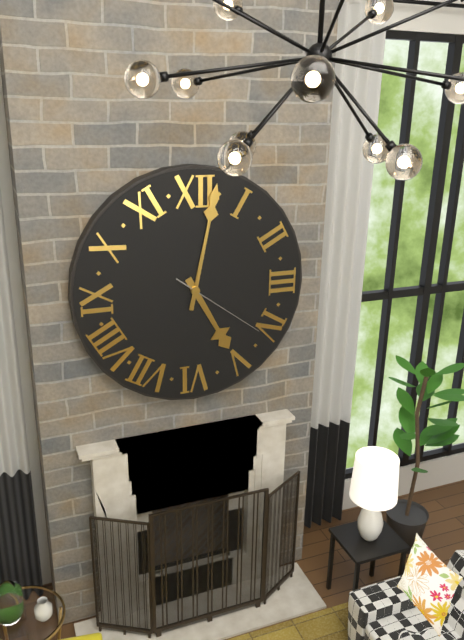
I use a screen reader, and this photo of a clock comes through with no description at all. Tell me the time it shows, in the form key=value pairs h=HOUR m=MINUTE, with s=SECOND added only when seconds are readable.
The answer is h=5 m=2 s=21
